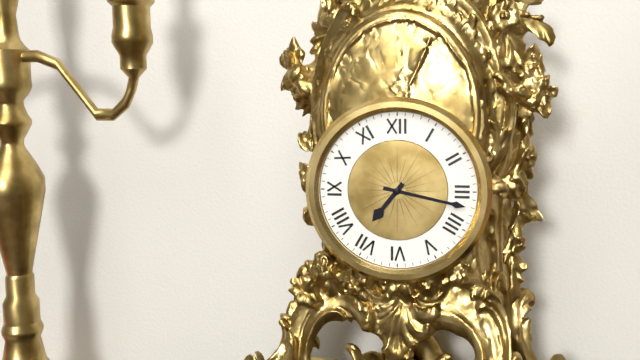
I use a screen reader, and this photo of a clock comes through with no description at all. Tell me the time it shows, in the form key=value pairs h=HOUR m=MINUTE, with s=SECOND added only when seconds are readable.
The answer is h=7 m=17
